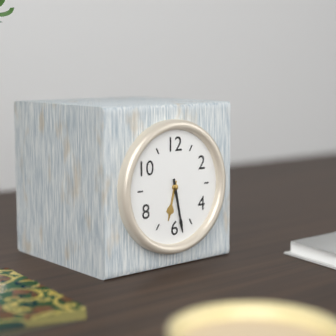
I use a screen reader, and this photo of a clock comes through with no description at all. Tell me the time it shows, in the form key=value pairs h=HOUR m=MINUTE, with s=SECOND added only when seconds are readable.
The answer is h=6 m=28
